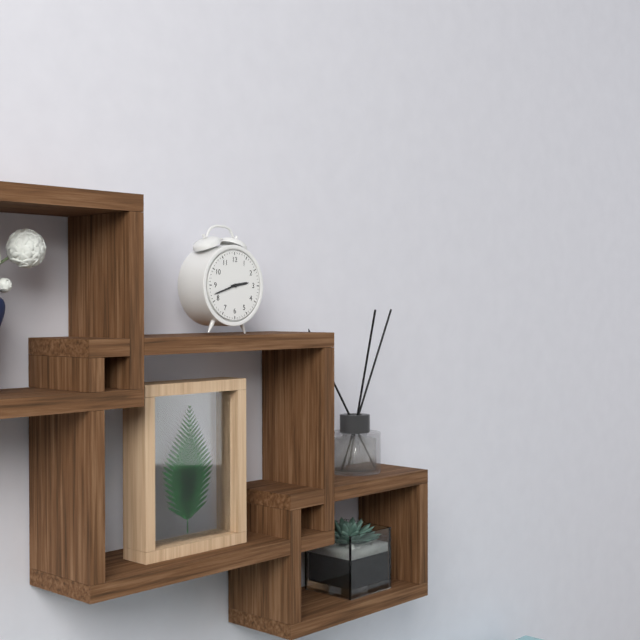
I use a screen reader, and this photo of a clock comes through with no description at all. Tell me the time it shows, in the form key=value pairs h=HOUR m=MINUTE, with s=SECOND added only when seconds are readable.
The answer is h=2 m=42
